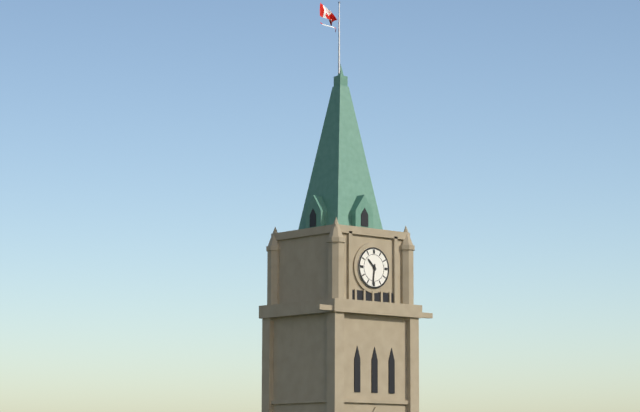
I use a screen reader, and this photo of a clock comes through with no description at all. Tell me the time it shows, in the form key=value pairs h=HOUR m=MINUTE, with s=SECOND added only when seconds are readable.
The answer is h=10 m=31
